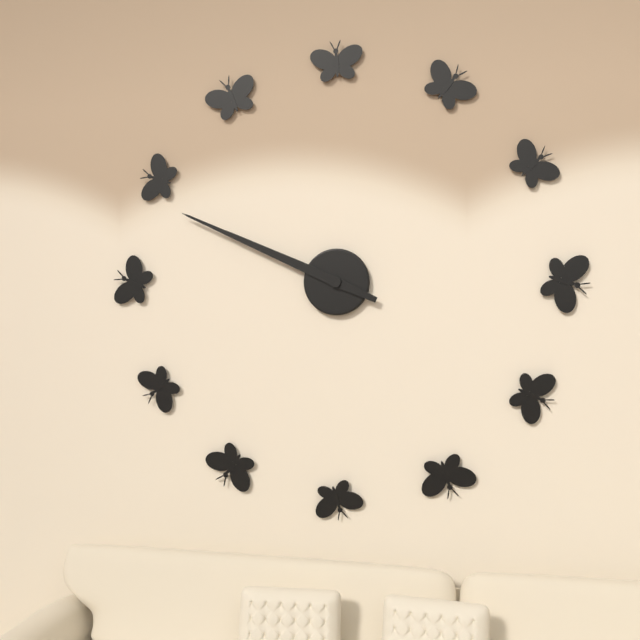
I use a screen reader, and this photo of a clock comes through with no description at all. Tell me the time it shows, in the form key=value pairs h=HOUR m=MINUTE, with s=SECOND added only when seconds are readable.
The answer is h=9 m=49
